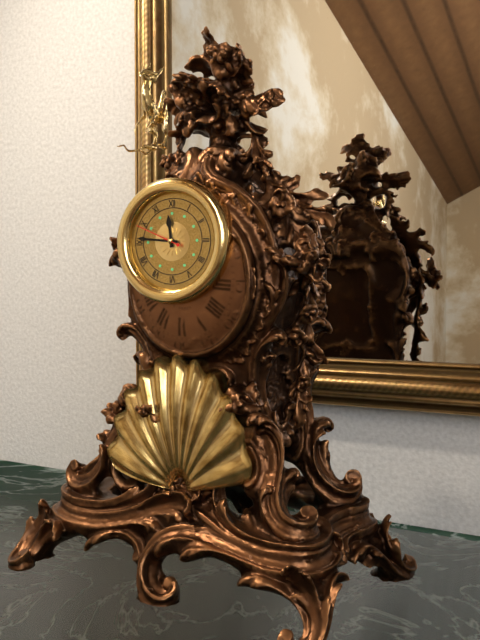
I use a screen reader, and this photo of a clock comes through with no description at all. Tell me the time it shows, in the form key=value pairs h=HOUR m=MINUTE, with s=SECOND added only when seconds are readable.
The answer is h=11 m=46
